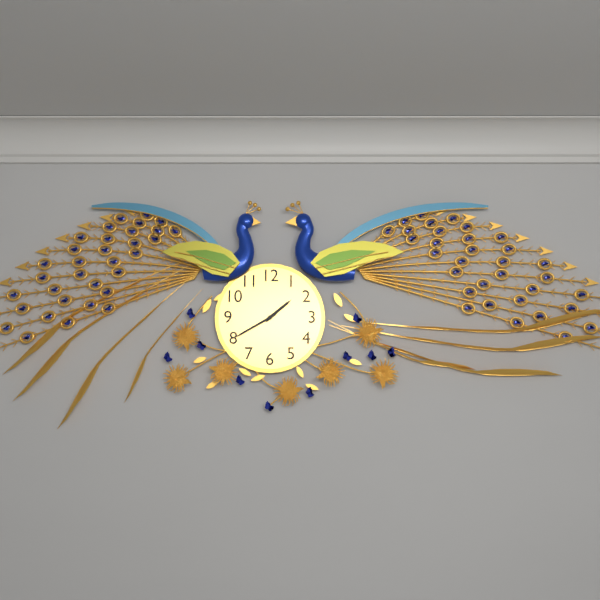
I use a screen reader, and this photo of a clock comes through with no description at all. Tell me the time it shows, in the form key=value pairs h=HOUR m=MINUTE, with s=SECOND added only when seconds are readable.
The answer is h=1 m=40
